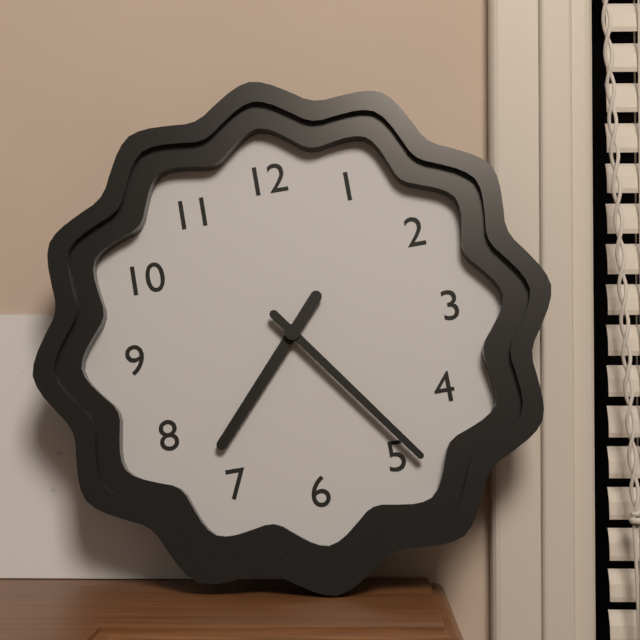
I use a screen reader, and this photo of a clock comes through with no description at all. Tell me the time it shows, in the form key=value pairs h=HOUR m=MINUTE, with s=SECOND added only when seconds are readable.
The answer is h=7 m=24
